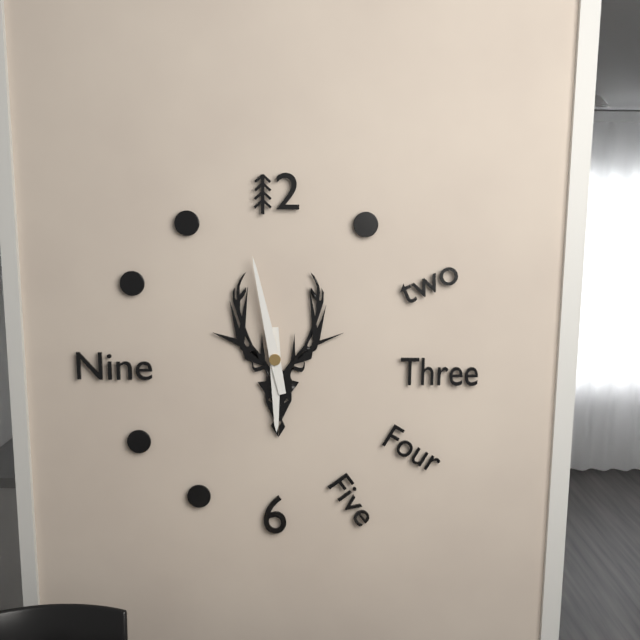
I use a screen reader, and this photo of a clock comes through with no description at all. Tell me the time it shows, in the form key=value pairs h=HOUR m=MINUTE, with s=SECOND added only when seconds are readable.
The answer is h=5 m=58
